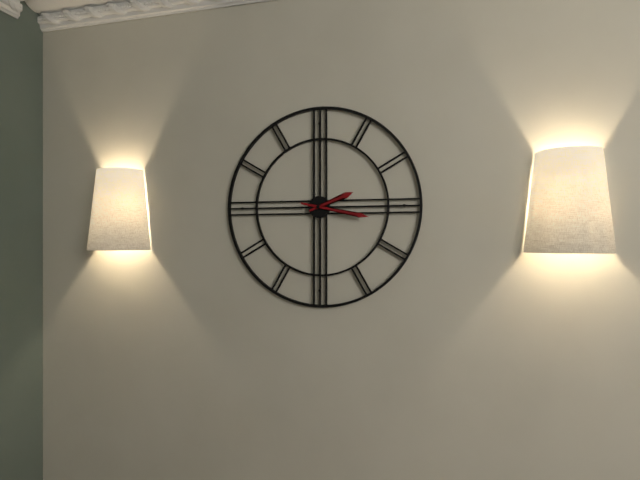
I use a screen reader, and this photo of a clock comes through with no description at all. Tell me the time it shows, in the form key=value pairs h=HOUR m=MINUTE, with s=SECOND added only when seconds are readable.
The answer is h=2 m=17
